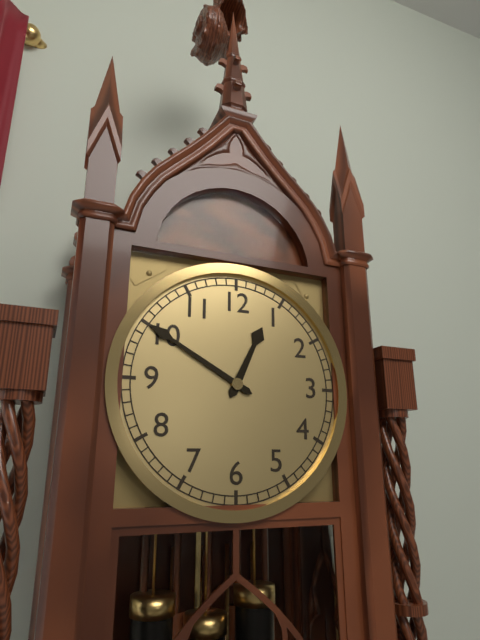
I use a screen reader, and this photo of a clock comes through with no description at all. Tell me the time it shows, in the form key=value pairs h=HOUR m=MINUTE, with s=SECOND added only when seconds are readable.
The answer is h=12 m=50
